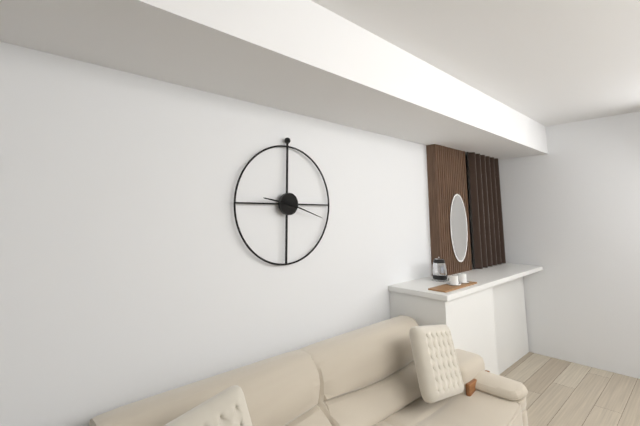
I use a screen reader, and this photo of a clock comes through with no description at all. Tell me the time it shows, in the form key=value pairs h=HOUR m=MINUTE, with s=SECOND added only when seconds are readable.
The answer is h=9 m=18
